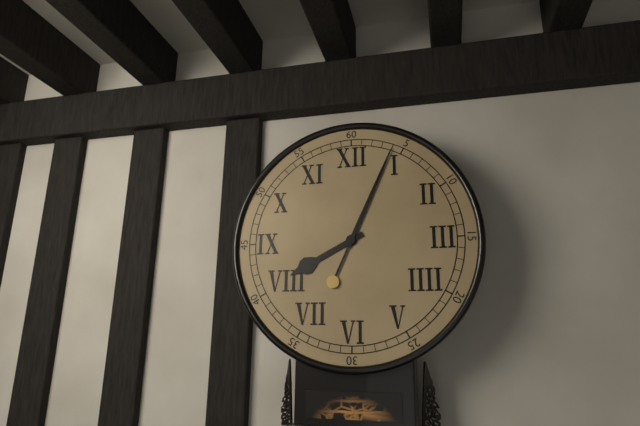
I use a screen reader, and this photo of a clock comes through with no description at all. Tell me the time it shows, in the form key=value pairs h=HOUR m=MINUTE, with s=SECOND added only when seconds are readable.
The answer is h=8 m=4
